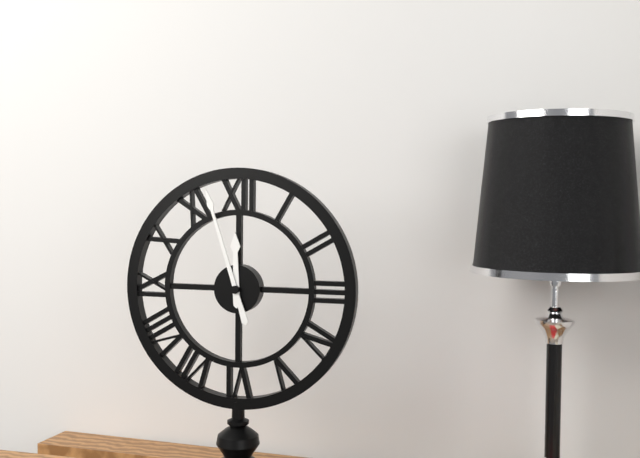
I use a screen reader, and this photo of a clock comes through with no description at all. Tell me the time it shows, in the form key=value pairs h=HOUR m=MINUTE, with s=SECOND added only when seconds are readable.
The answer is h=11 m=57
